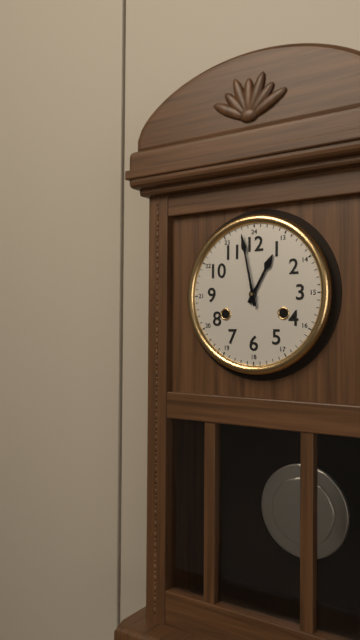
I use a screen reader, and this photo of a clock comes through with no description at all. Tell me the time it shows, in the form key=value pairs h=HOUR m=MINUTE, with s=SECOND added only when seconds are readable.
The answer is h=12 m=58
